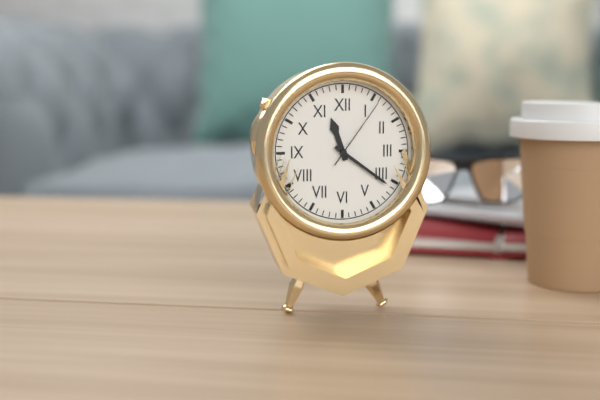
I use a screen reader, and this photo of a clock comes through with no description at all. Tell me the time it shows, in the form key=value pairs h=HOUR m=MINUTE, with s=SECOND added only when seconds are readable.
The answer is h=11 m=21 s=6
